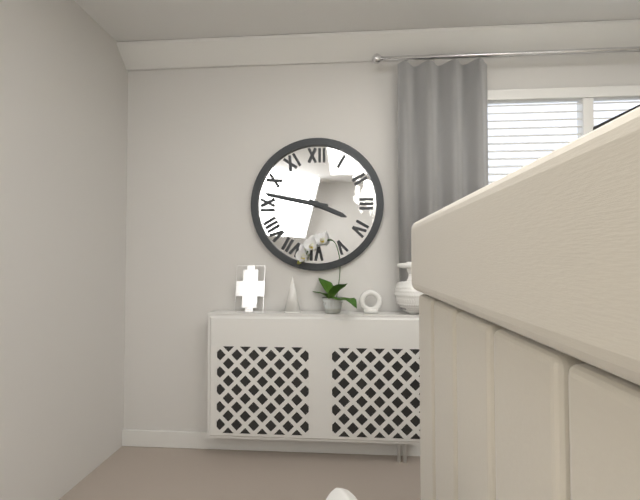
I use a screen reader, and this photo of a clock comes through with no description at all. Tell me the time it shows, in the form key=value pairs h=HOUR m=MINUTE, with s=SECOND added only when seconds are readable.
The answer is h=3 m=47
